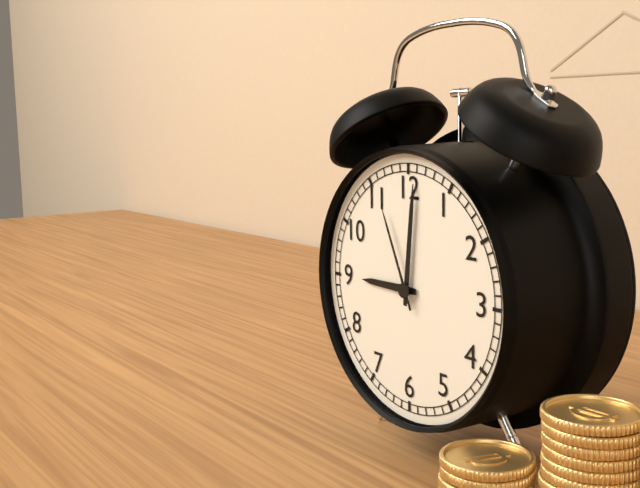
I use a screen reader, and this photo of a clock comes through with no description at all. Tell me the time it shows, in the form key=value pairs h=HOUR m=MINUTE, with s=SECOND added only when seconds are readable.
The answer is h=9 m=1 s=56
